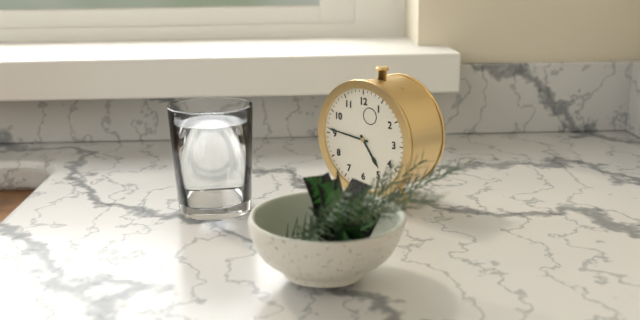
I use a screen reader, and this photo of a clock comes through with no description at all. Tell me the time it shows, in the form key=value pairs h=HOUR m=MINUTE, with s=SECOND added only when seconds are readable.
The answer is h=4 m=46
